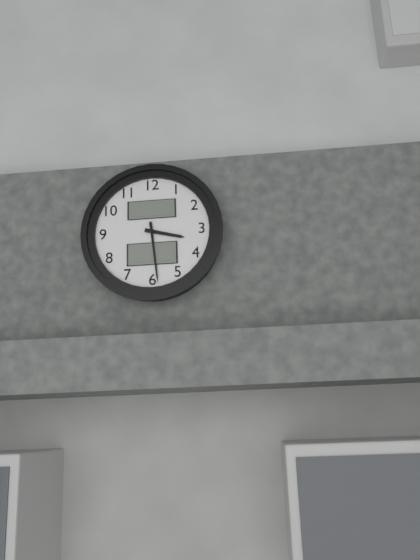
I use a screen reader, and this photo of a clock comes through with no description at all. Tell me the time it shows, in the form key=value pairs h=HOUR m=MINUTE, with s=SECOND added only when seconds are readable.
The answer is h=3 m=29
